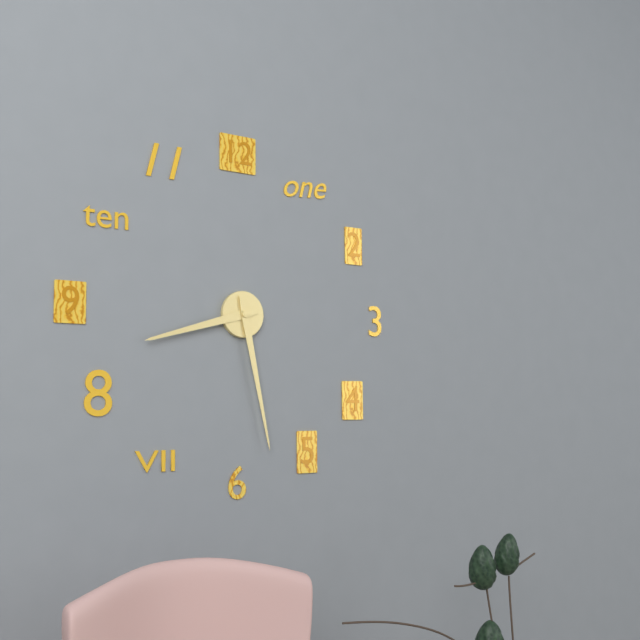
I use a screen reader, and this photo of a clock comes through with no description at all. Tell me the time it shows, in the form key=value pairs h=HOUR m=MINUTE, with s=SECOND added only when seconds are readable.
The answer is h=8 m=28
